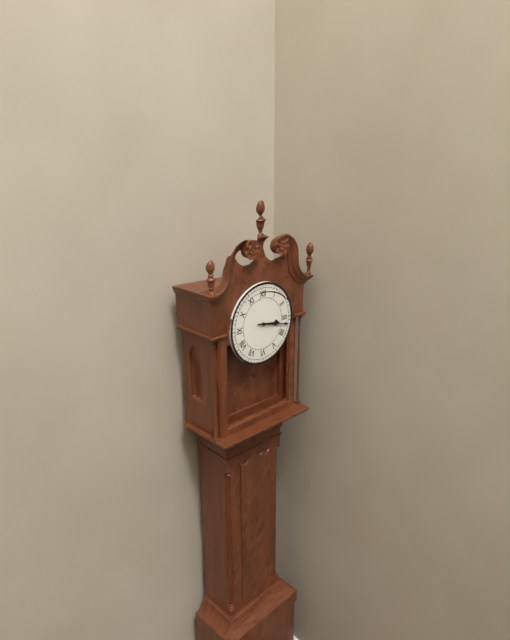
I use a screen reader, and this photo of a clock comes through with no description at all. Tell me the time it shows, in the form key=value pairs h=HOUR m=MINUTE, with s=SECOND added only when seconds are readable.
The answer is h=3 m=17
